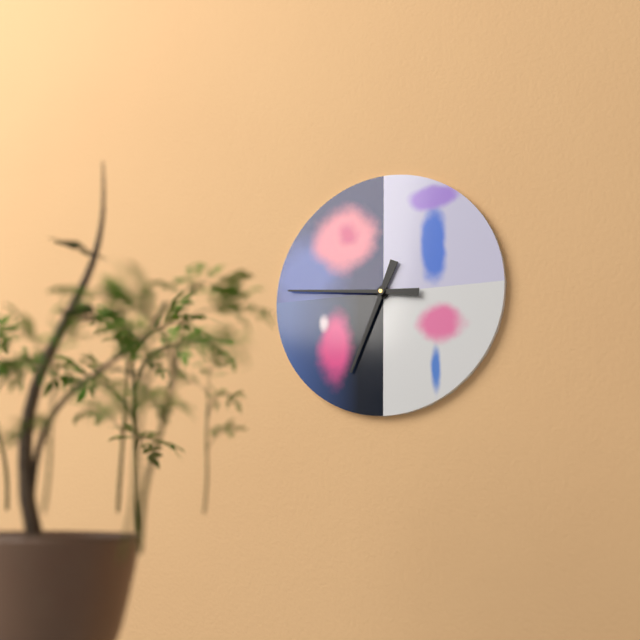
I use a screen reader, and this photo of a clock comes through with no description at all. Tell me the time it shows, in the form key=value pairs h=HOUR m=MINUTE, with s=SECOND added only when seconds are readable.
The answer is h=6 m=46
